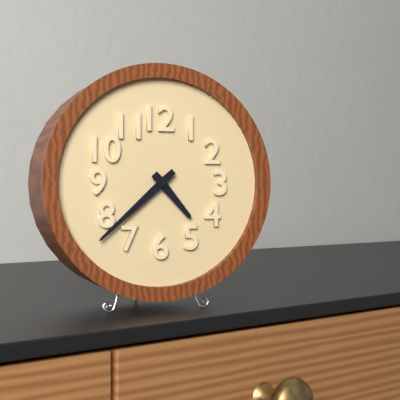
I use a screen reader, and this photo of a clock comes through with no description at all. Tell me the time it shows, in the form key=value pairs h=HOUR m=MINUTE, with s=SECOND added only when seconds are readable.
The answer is h=4 m=38
